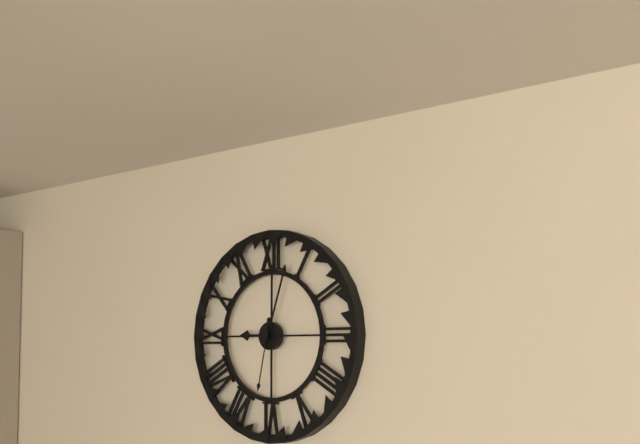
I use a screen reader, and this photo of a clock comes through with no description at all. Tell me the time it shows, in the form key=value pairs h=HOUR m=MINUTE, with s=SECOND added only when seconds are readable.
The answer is h=9 m=3 s=32
